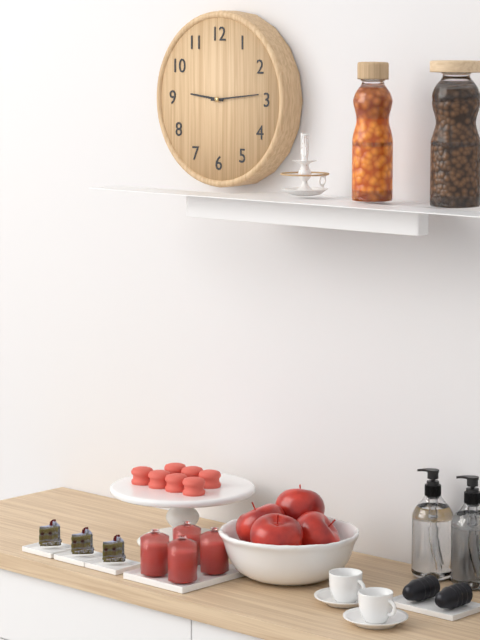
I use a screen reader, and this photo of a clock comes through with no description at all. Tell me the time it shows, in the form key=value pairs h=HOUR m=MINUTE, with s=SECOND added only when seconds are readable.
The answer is h=9 m=14
